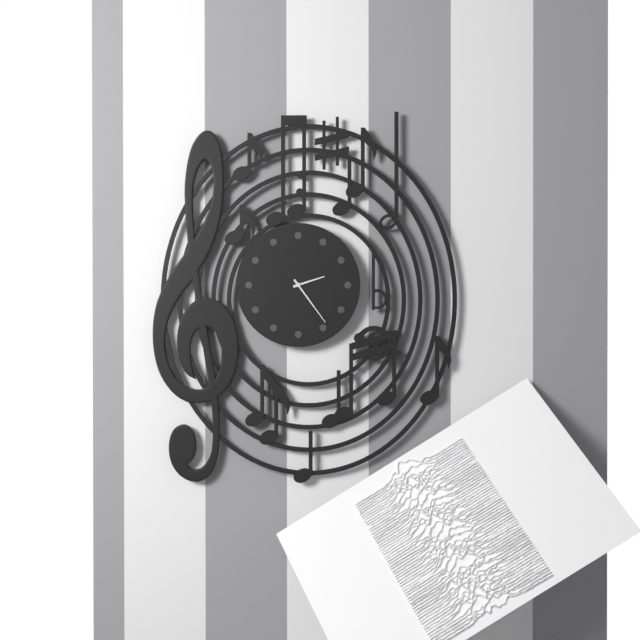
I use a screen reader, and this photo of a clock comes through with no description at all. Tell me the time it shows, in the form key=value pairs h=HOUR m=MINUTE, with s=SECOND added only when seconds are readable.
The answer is h=2 m=24
